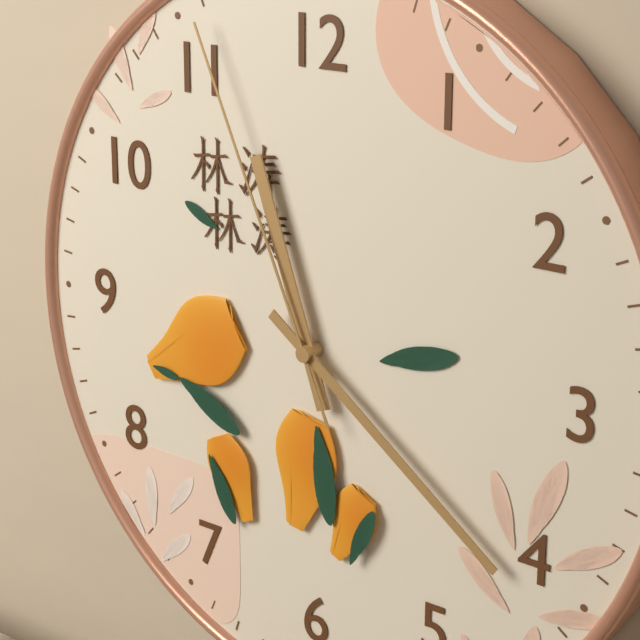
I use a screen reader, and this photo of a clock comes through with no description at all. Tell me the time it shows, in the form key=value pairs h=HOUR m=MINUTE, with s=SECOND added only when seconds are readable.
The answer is h=11 m=21 s=56
